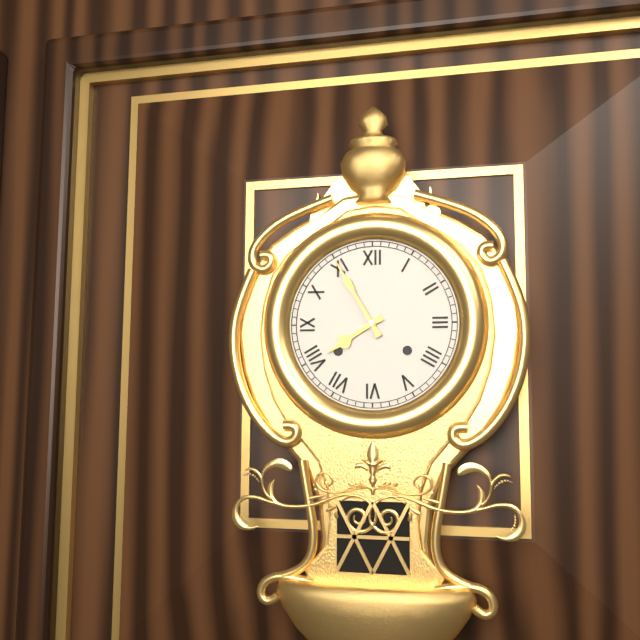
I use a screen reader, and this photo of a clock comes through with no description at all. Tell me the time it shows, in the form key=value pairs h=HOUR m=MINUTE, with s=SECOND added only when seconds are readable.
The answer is h=7 m=55
